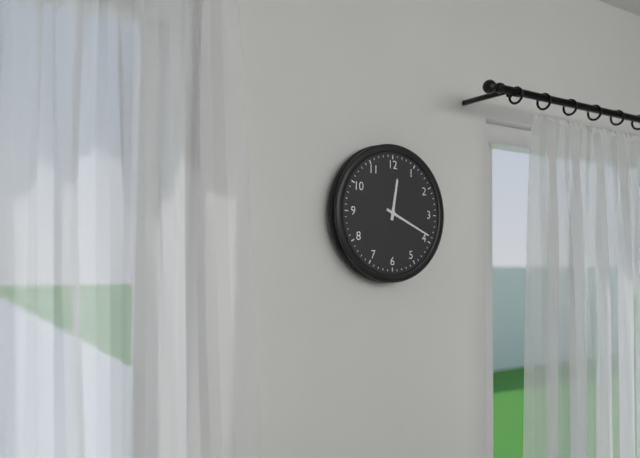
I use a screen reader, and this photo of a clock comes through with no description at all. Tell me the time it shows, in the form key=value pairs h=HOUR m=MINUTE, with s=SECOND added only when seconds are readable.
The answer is h=12 m=19
